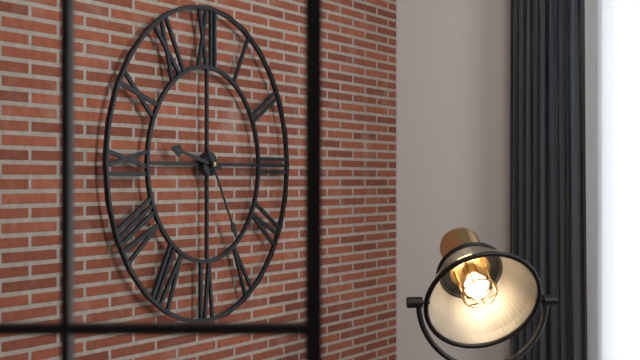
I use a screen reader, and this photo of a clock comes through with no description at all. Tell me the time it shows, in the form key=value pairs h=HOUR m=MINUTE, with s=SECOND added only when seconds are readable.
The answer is h=9 m=25
